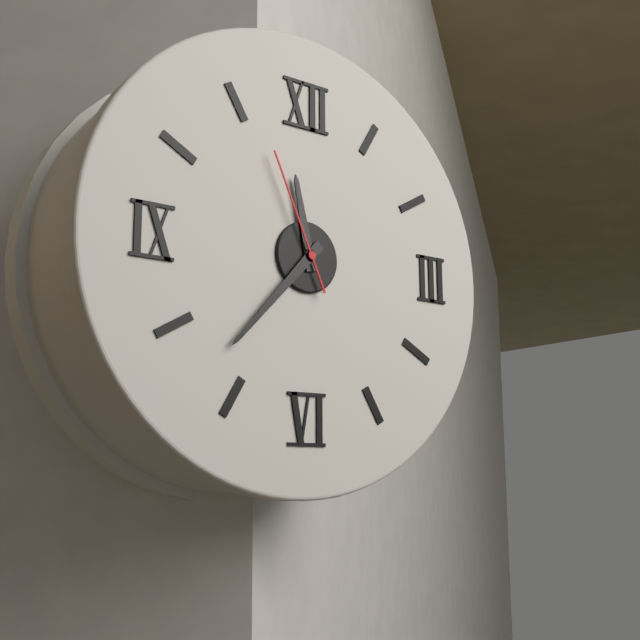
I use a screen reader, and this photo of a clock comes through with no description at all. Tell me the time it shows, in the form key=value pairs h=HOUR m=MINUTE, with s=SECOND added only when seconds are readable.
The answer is h=11 m=37 s=56
